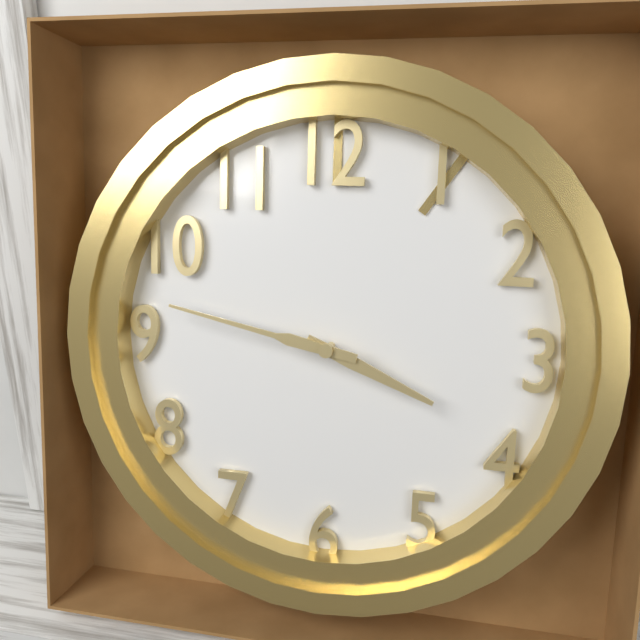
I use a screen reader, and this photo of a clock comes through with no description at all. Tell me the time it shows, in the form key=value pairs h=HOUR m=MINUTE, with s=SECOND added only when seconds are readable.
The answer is h=3 m=47
